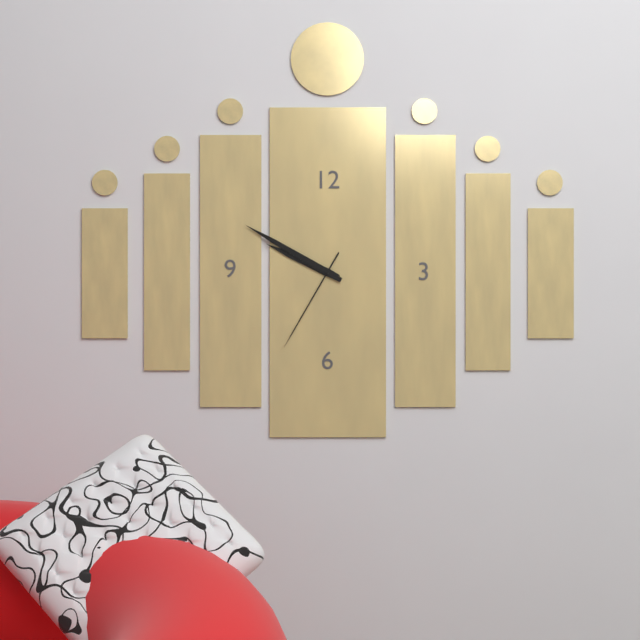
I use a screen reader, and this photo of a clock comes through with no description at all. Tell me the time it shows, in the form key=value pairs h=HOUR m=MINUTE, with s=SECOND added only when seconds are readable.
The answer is h=9 m=50 s=35
